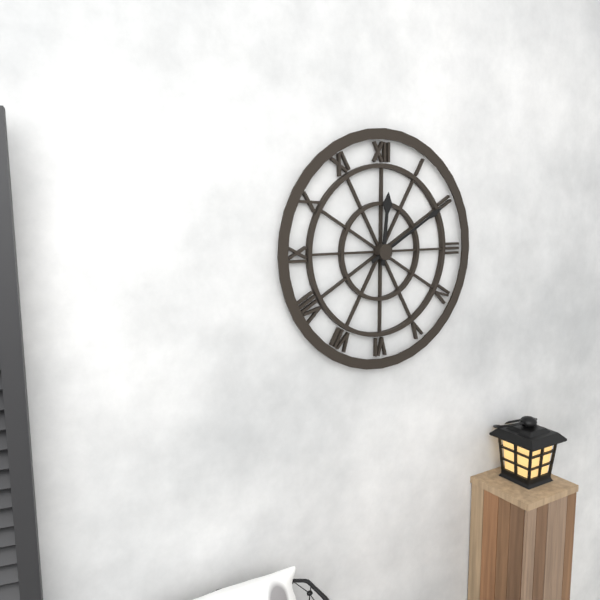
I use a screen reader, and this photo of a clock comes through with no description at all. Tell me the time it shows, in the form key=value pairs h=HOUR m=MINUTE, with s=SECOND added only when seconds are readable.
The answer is h=12 m=10
